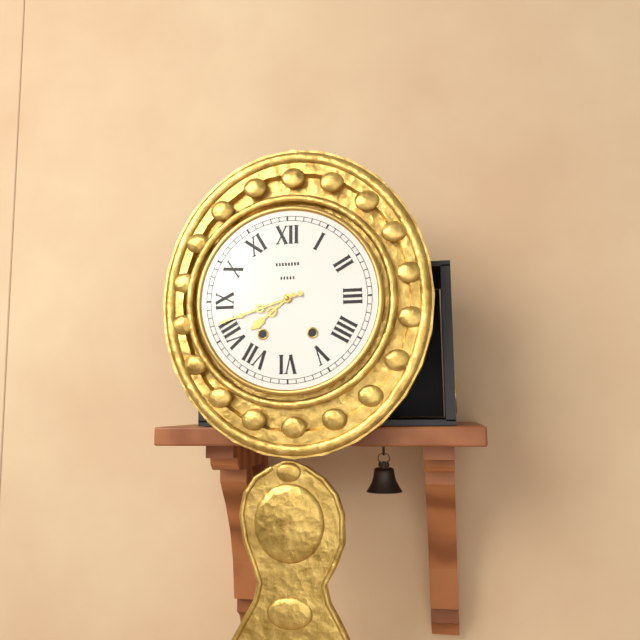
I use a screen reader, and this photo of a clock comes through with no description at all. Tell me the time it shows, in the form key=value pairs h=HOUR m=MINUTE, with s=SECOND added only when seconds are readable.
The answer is h=7 m=42
